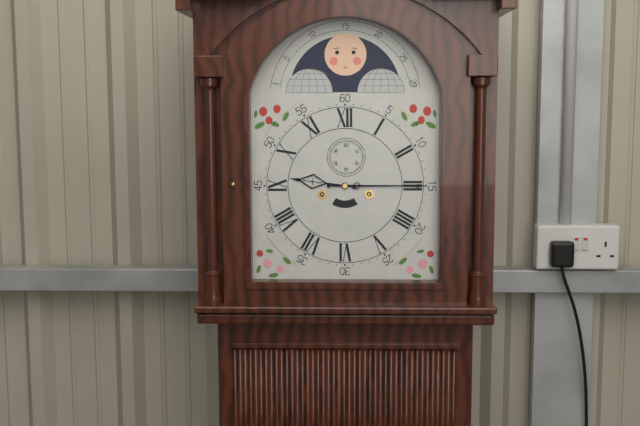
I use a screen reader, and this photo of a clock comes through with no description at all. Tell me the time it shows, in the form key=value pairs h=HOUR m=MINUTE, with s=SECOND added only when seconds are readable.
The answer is h=9 m=15
